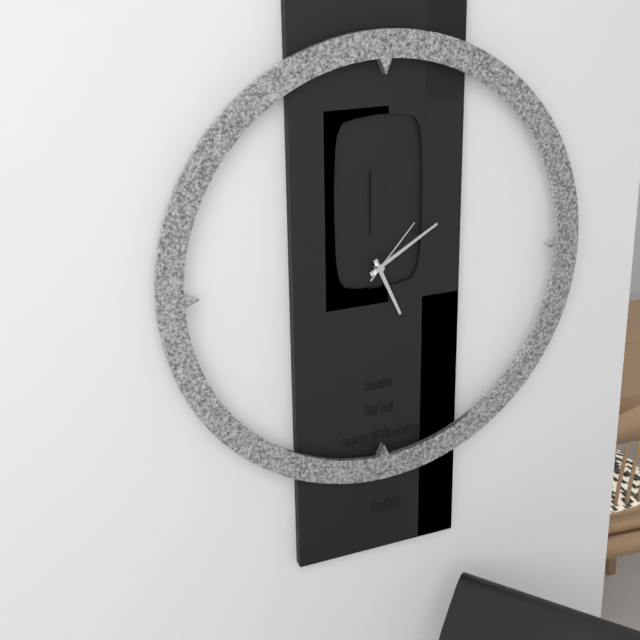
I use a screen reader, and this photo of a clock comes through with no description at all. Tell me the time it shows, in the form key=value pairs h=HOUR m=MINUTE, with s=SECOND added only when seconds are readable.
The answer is h=5 m=10 s=7
